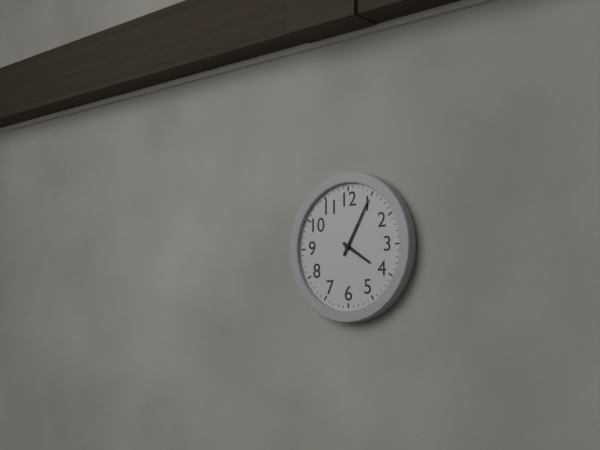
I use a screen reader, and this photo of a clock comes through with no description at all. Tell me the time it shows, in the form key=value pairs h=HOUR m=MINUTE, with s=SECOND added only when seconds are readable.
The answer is h=4 m=5
